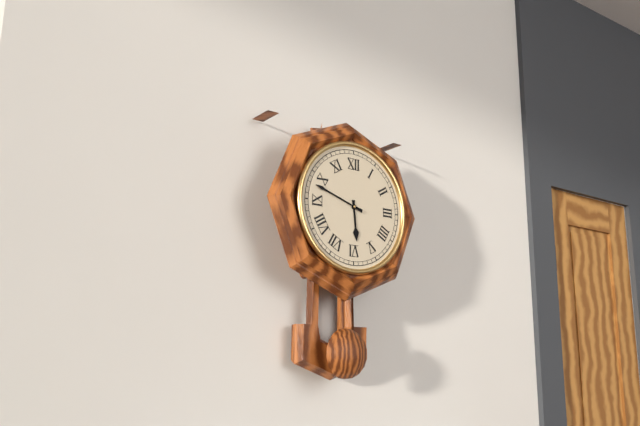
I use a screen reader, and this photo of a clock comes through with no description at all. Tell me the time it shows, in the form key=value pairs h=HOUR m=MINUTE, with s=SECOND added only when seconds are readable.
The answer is h=5 m=48
